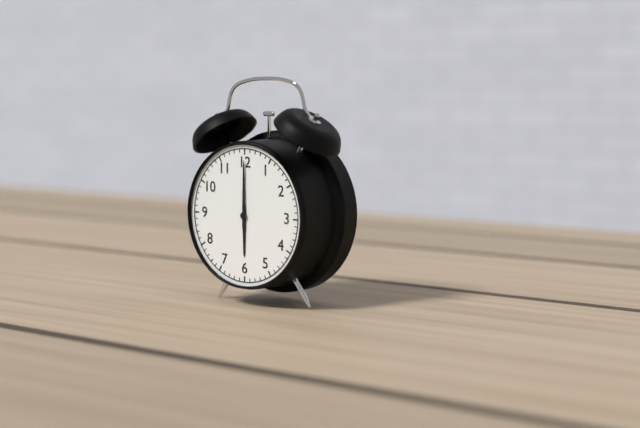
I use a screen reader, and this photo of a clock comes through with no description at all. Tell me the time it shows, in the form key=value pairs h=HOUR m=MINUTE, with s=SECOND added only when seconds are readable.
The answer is h=6 m=0
